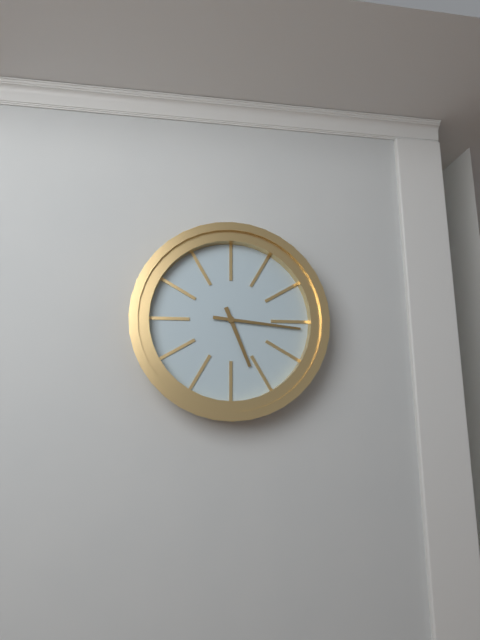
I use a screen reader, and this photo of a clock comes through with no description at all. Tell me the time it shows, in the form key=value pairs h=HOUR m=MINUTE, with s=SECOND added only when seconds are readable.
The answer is h=5 m=16
